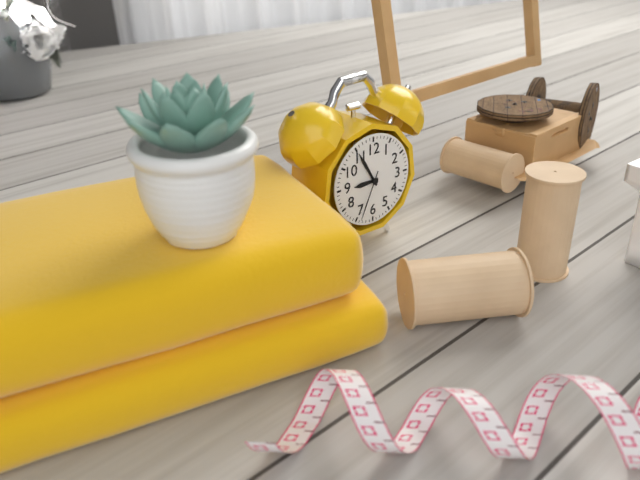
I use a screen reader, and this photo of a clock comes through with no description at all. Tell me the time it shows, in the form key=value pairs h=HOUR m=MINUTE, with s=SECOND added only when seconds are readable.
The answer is h=8 m=55 s=34
